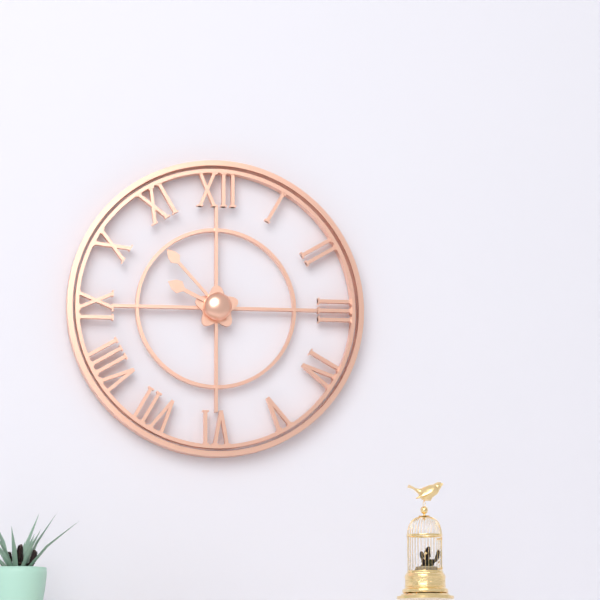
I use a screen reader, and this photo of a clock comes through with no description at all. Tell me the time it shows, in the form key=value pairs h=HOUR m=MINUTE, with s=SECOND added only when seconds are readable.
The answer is h=9 m=53
